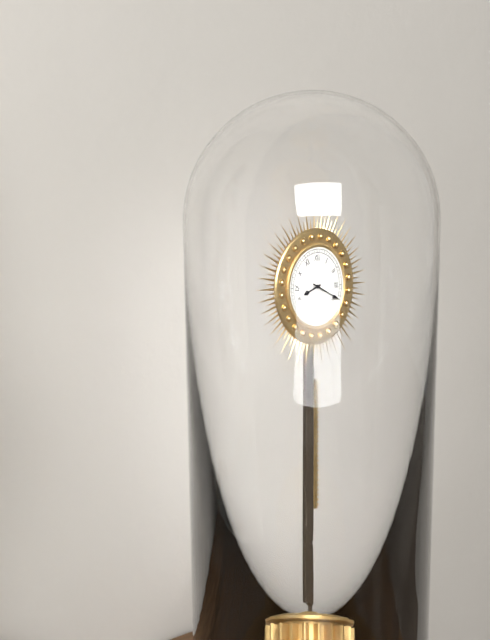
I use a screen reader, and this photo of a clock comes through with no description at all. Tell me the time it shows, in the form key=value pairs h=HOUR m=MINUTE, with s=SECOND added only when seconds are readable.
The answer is h=8 m=19
